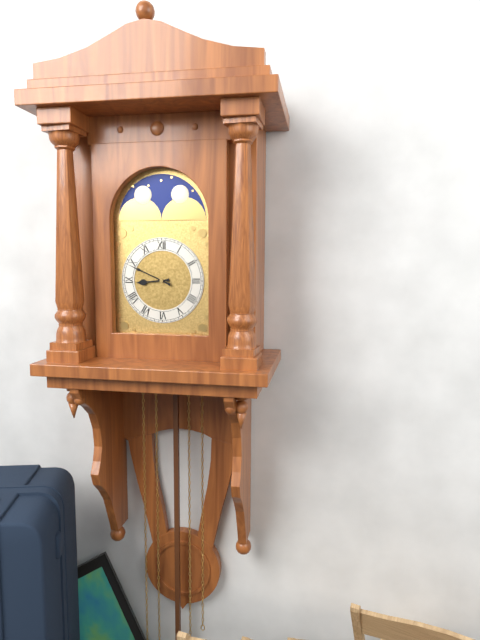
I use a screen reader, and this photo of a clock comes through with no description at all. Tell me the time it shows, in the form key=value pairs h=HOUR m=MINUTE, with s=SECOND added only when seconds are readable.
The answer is h=8 m=49
